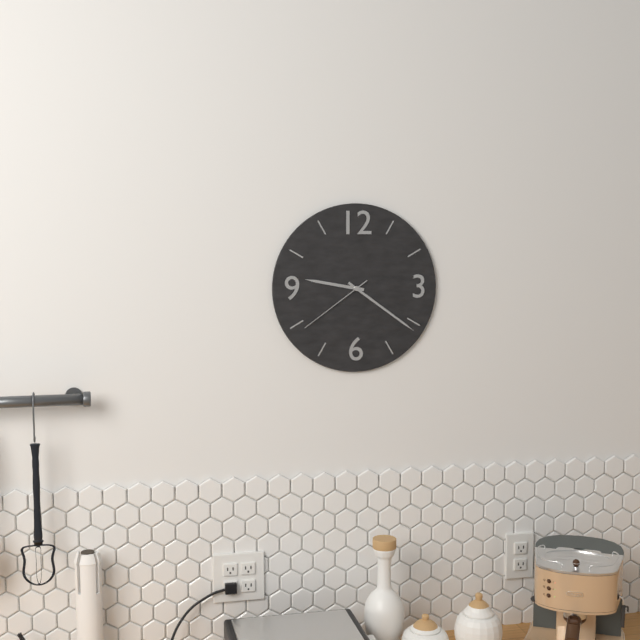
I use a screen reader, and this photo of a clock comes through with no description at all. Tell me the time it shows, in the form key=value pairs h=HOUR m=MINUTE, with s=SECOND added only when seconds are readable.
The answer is h=9 m=21 s=39
